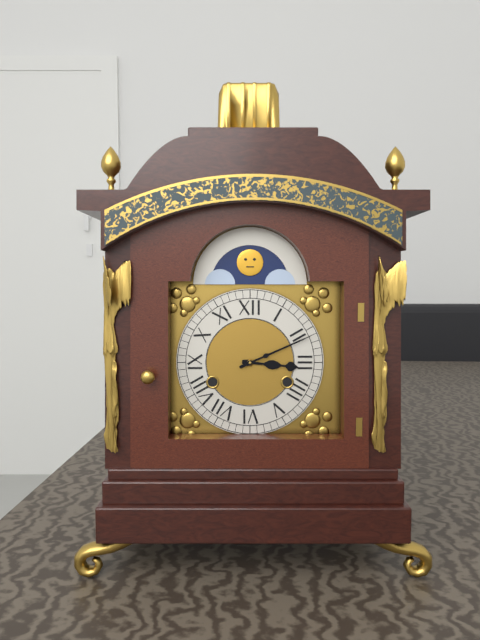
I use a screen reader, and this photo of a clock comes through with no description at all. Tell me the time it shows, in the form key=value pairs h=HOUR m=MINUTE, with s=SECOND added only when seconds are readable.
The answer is h=3 m=11
